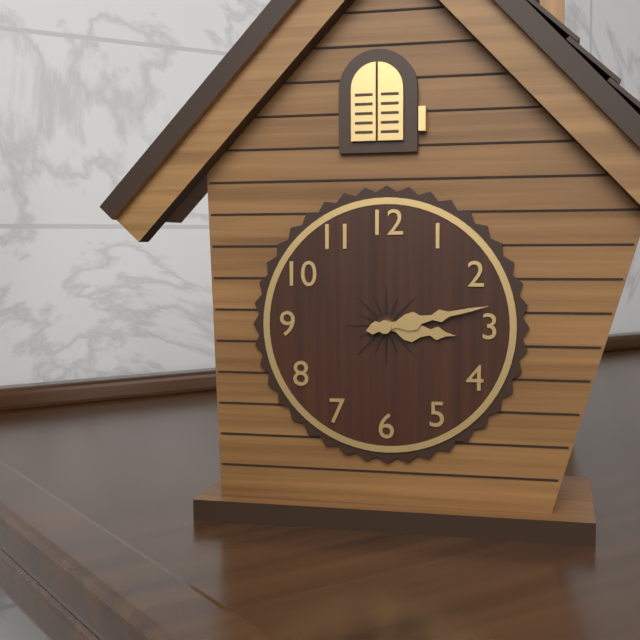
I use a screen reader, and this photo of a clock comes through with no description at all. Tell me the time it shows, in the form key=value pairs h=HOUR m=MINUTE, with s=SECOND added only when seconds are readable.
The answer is h=3 m=13
